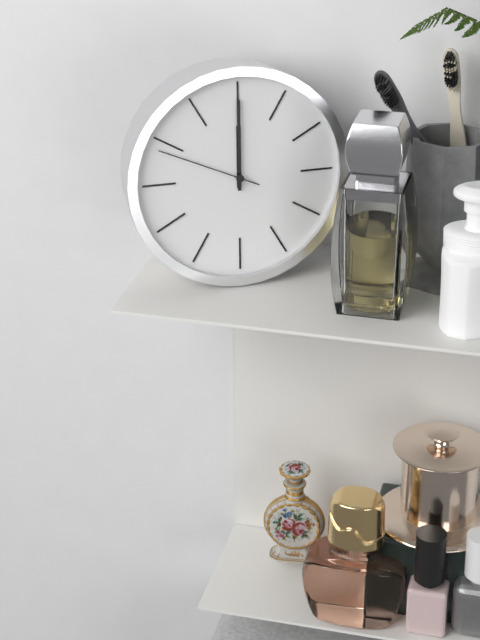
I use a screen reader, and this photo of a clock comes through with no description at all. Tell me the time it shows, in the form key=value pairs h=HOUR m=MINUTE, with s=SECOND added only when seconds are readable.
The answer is h=12 m=0 s=49
